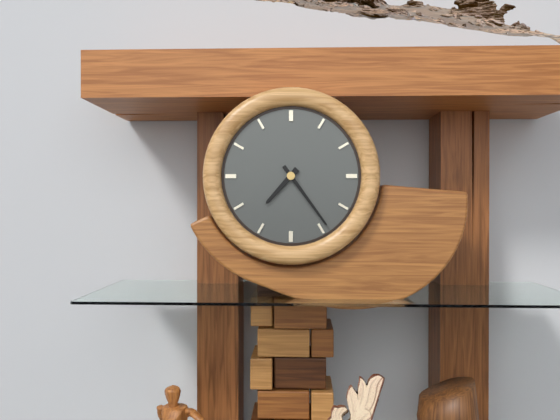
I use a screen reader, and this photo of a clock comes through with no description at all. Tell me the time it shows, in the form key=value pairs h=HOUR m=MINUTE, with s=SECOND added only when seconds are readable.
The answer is h=7 m=24
